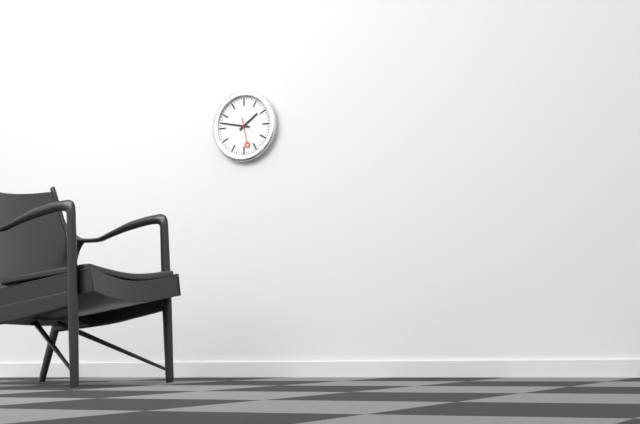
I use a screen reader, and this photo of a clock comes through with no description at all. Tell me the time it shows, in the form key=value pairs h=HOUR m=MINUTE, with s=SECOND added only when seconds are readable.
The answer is h=1 m=47
